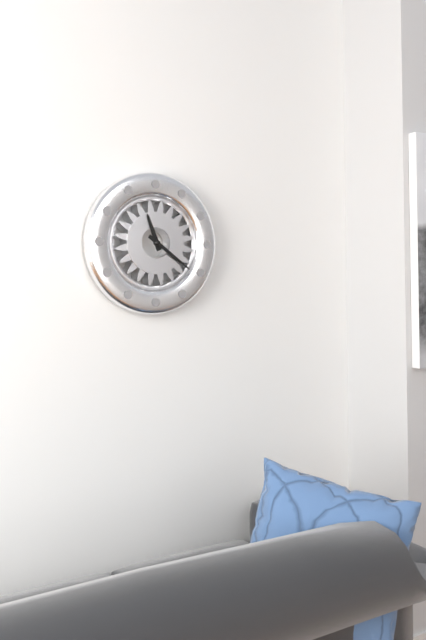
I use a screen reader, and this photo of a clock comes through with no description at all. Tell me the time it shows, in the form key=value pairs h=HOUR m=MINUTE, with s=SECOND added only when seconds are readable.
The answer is h=11 m=21
